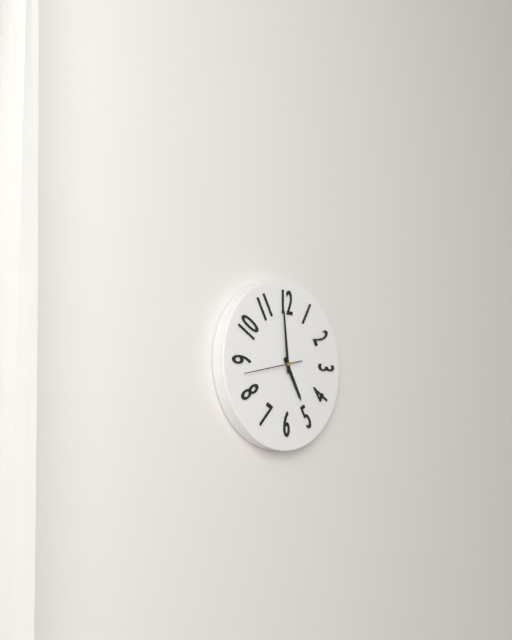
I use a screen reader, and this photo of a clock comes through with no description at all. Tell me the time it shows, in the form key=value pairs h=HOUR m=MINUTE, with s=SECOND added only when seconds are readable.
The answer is h=4 m=59
